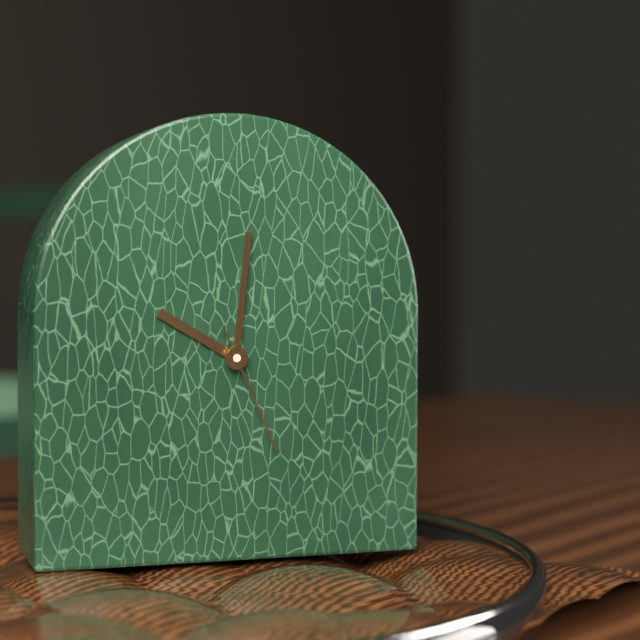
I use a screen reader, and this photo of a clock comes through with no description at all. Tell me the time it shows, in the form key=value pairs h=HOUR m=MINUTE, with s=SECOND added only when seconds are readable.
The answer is h=10 m=1 s=26
